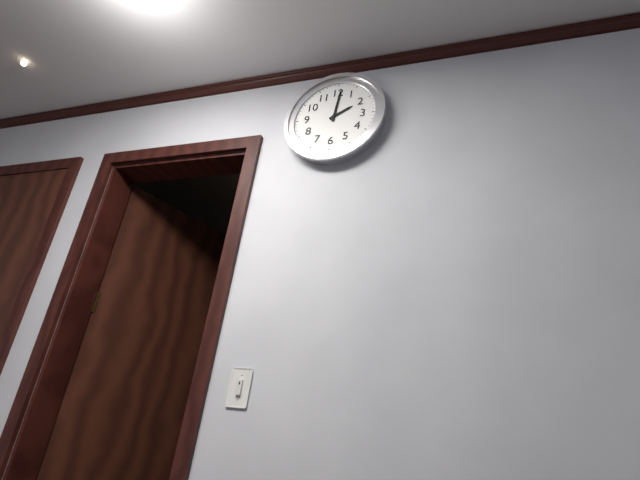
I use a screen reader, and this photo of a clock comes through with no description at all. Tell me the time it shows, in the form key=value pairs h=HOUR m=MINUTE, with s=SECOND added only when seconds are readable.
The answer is h=2 m=1
